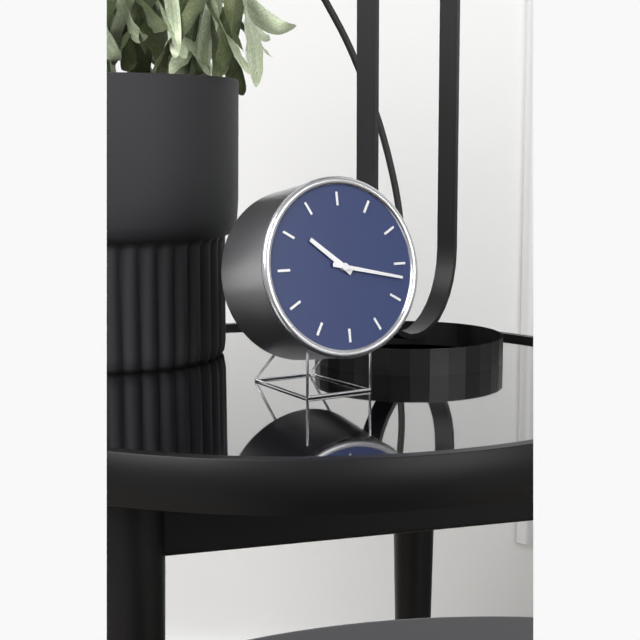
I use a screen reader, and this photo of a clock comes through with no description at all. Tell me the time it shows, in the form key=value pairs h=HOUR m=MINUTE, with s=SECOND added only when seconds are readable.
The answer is h=10 m=17
